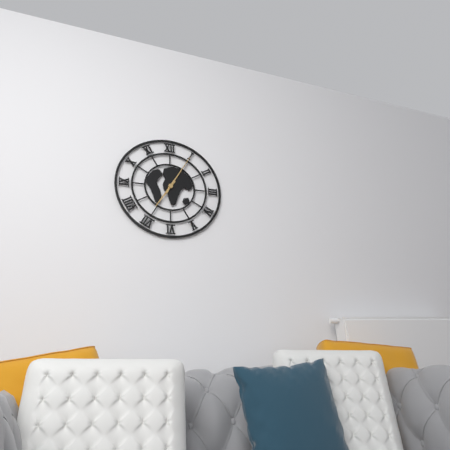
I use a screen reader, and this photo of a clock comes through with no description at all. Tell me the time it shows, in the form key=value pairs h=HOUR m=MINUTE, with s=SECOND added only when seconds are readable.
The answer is h=7 m=5
